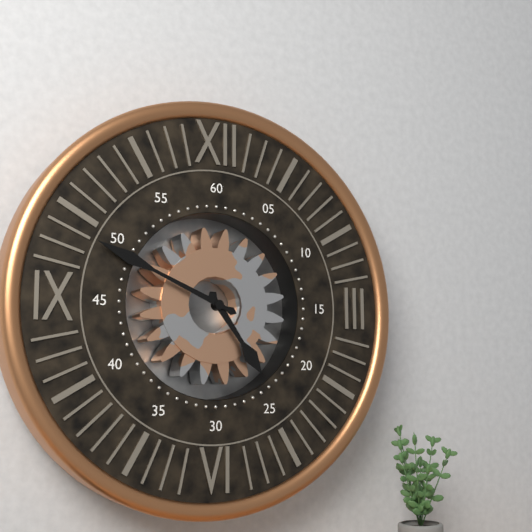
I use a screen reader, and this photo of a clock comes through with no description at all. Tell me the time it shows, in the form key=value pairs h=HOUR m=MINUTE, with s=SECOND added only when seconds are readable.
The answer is h=4 m=49
